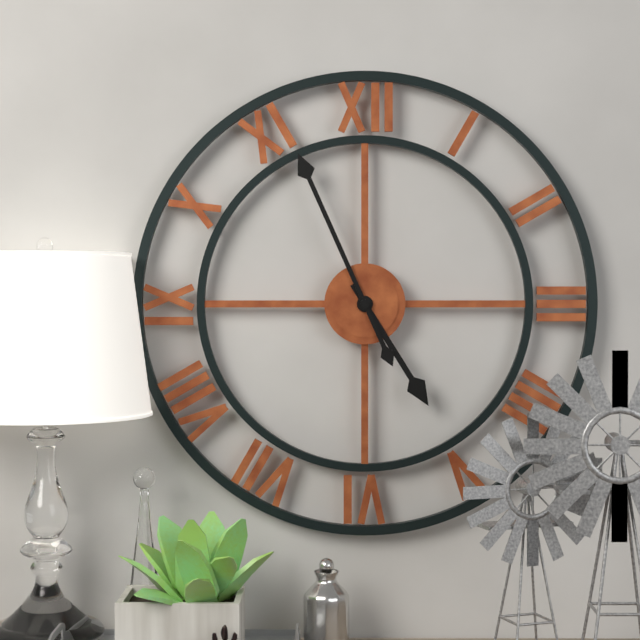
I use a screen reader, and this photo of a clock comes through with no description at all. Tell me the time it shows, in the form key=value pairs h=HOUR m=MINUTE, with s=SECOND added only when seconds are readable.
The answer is h=4 m=56
